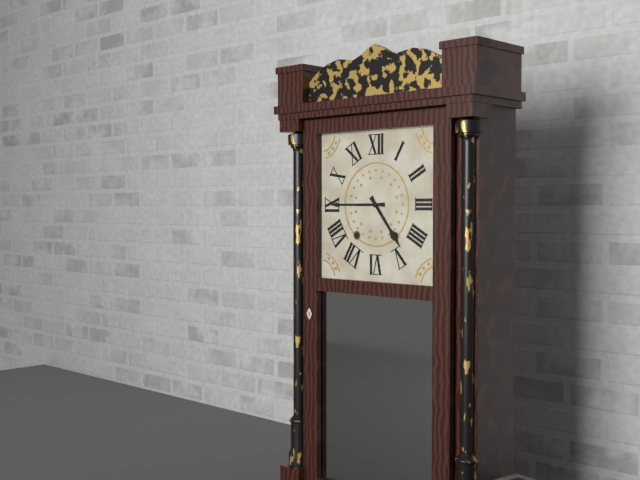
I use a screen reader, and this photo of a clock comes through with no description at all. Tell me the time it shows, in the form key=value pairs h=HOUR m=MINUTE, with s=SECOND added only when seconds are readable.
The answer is h=4 m=45
